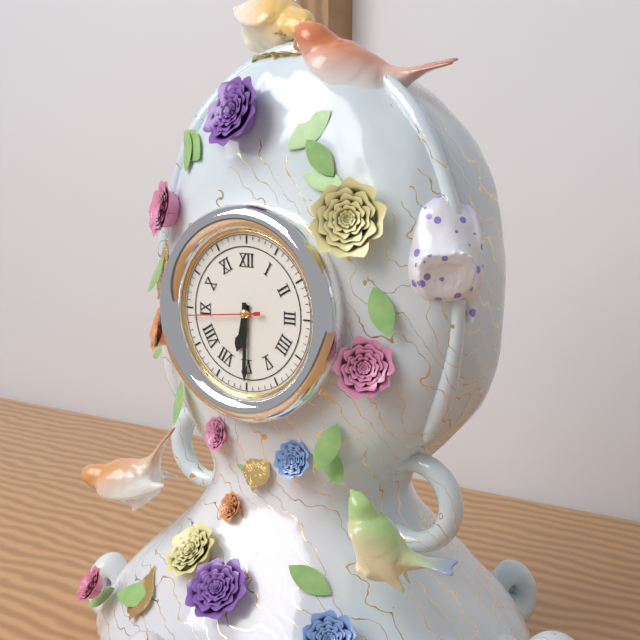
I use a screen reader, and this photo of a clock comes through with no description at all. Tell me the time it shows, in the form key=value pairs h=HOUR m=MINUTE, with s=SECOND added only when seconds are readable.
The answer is h=6 m=30 s=44
